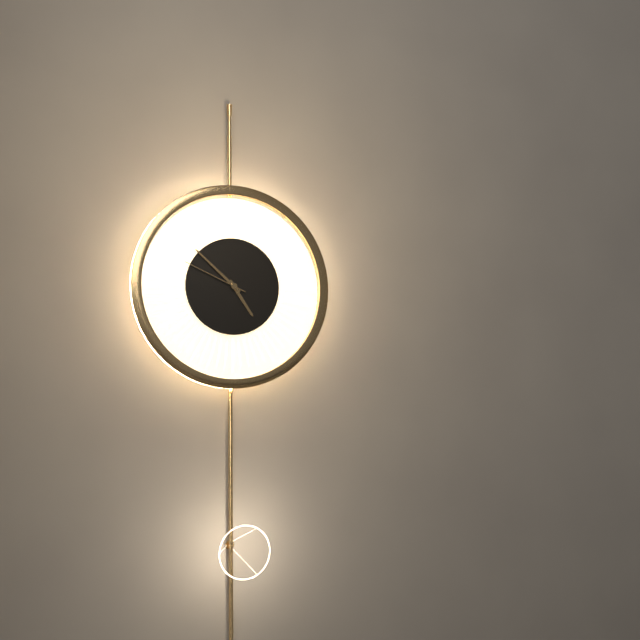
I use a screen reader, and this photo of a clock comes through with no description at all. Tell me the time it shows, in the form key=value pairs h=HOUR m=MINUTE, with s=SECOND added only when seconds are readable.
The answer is h=4 m=52 s=49
